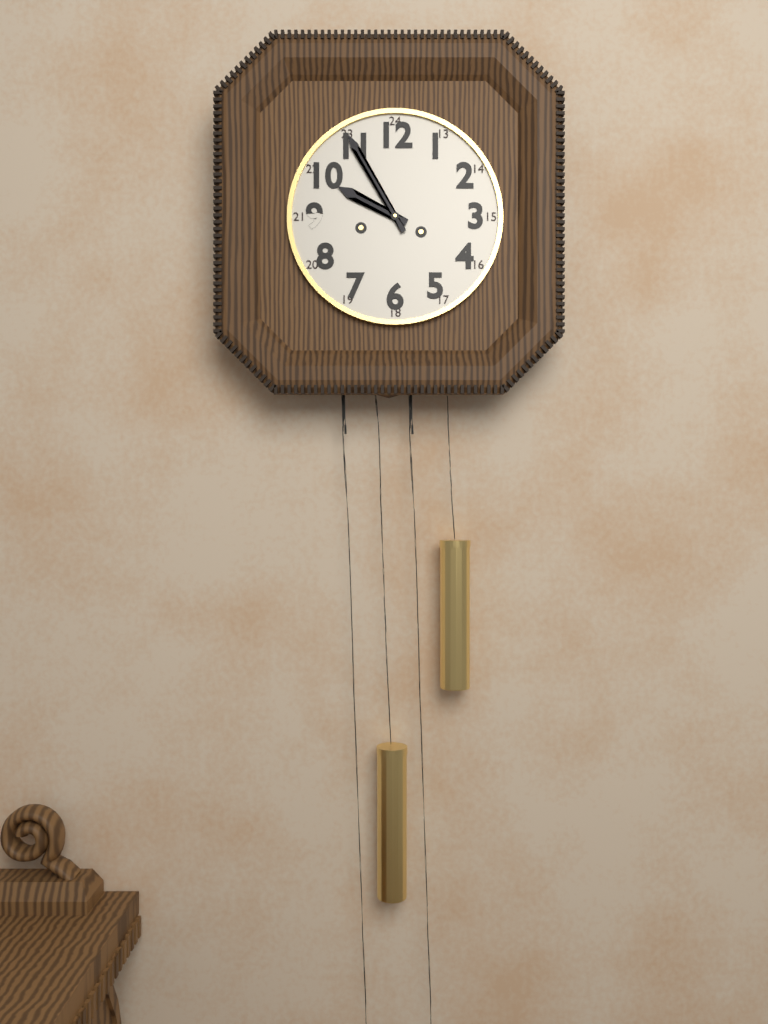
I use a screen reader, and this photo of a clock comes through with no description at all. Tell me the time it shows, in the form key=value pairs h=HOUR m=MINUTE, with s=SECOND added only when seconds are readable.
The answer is h=9 m=55
